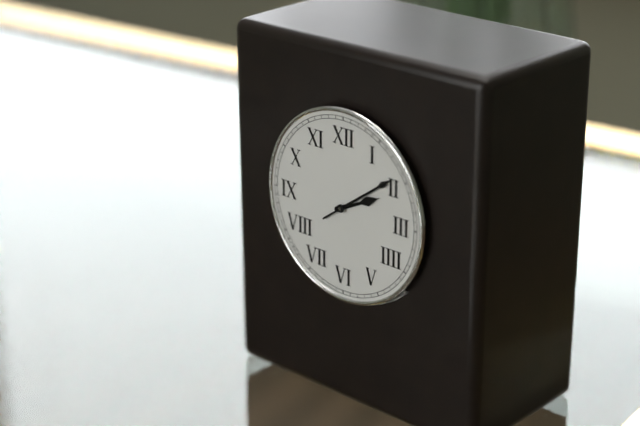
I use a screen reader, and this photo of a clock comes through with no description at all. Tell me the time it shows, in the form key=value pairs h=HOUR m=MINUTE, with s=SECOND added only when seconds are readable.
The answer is h=2 m=9
